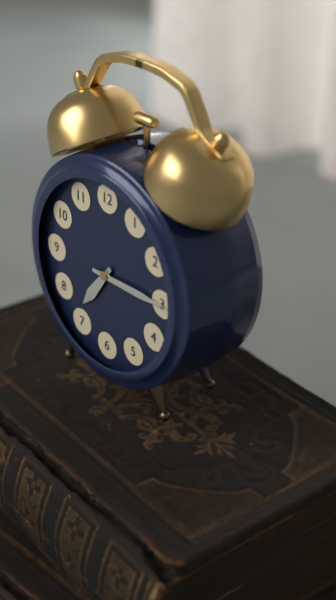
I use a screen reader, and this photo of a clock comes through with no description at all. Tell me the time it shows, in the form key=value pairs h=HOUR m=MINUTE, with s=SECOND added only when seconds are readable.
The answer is h=7 m=15
